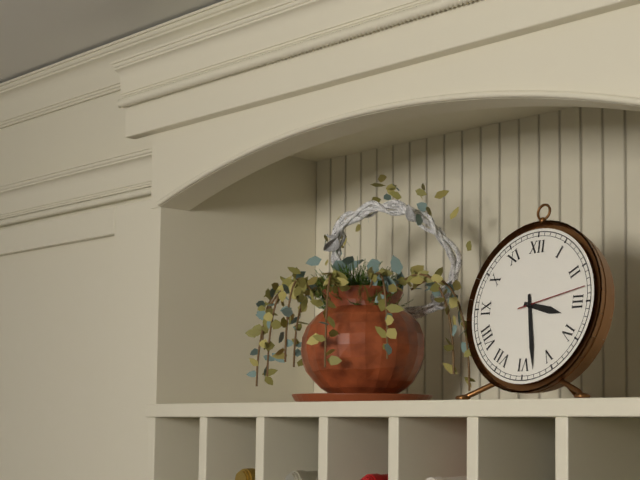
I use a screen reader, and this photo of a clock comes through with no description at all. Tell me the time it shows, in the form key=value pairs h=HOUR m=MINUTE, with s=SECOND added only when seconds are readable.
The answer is h=3 m=28 s=13
